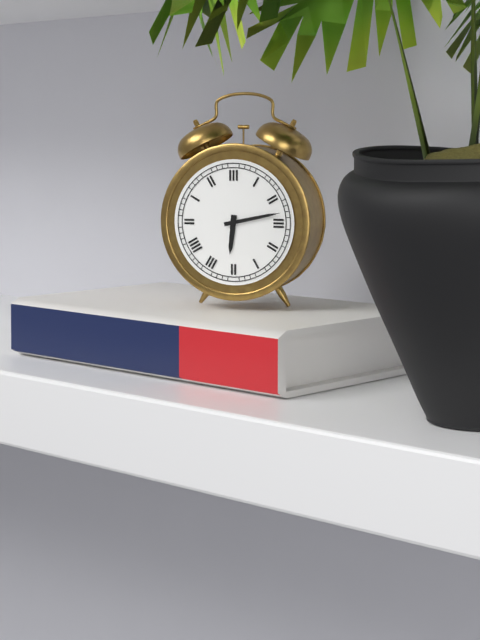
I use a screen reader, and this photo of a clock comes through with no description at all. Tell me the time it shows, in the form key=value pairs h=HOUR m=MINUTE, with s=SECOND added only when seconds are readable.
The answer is h=6 m=13
